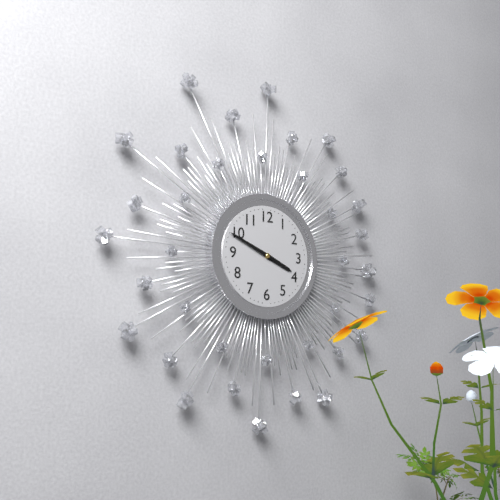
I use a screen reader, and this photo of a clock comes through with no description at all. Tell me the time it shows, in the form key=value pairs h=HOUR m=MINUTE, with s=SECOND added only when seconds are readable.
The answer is h=3 m=49
